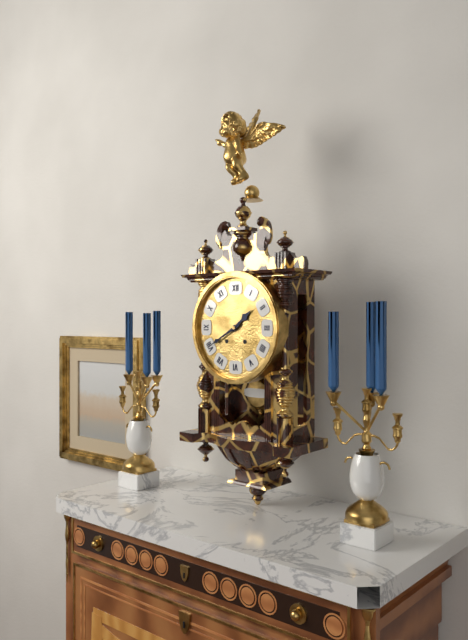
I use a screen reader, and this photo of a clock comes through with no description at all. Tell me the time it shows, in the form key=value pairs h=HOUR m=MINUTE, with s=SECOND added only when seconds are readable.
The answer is h=1 m=40
